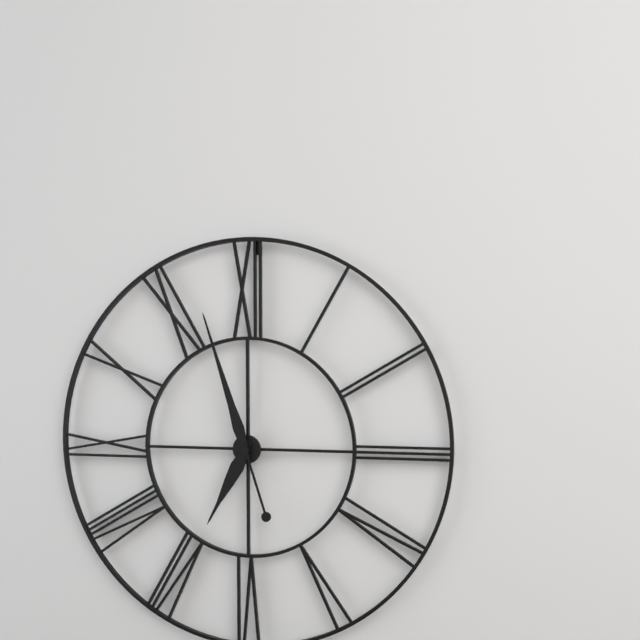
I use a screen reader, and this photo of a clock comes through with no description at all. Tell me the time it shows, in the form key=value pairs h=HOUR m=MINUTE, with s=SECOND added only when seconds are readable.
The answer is h=6 m=57
